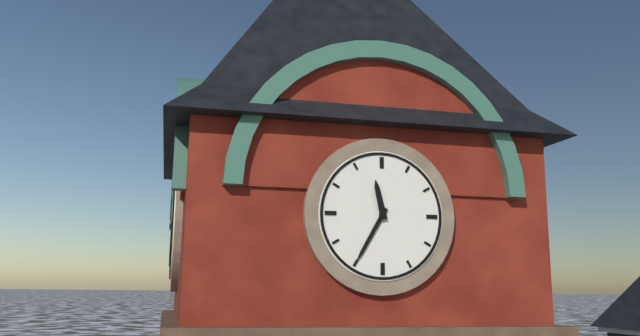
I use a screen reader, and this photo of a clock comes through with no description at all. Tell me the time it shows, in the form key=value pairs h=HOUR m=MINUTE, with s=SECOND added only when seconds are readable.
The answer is h=11 m=35
